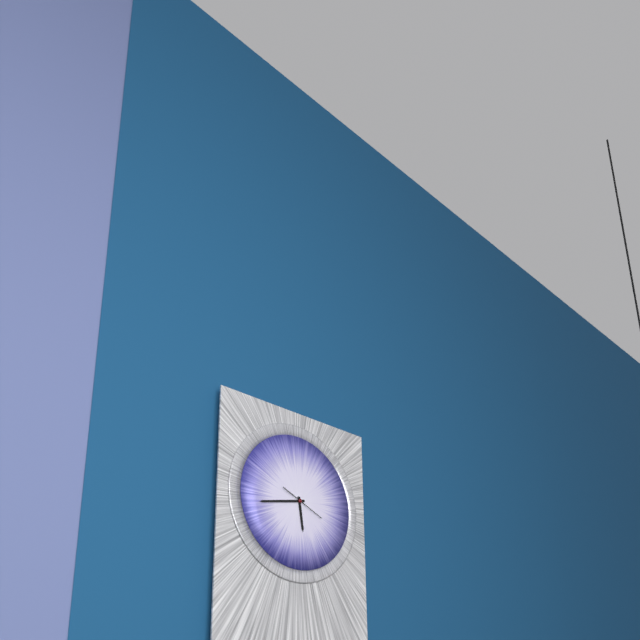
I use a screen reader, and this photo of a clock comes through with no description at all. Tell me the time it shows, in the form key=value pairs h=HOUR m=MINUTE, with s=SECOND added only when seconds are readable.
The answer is h=5 m=43
